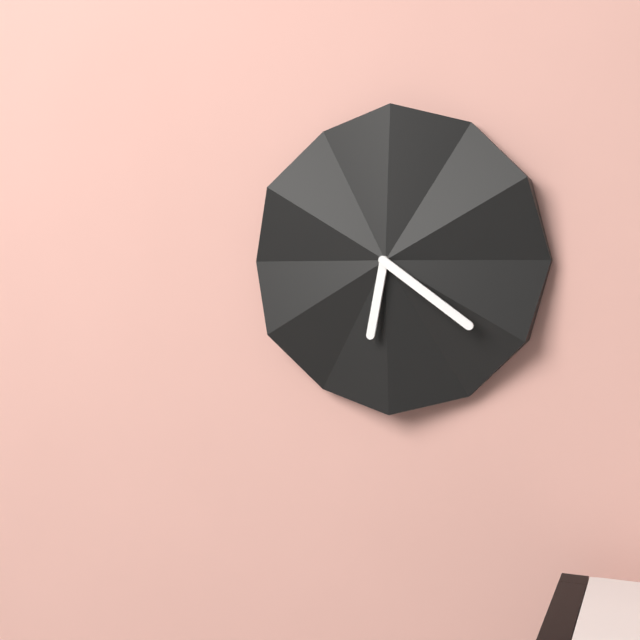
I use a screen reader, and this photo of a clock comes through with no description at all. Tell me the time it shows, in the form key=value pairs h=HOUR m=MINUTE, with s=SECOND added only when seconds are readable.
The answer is h=6 m=21
